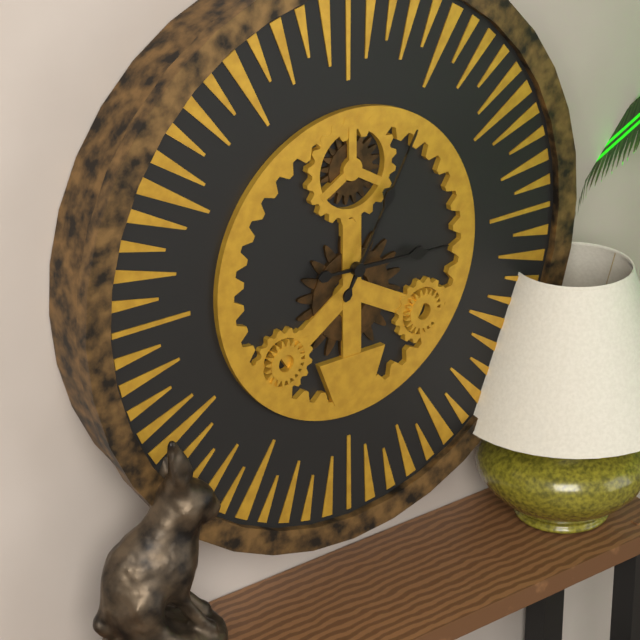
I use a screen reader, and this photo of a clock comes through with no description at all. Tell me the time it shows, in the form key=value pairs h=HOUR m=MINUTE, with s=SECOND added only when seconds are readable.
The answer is h=3 m=5
